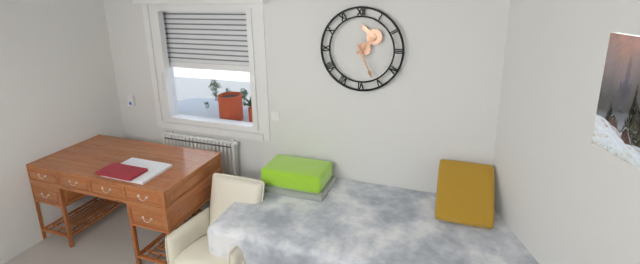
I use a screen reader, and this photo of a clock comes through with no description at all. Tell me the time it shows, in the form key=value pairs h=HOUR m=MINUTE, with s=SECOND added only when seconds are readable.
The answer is h=1 m=26
